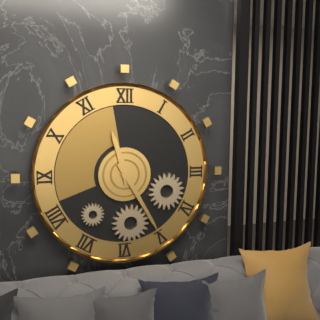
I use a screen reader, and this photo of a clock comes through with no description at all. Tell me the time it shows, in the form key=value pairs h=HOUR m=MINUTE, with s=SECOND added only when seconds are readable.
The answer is h=11 m=25
